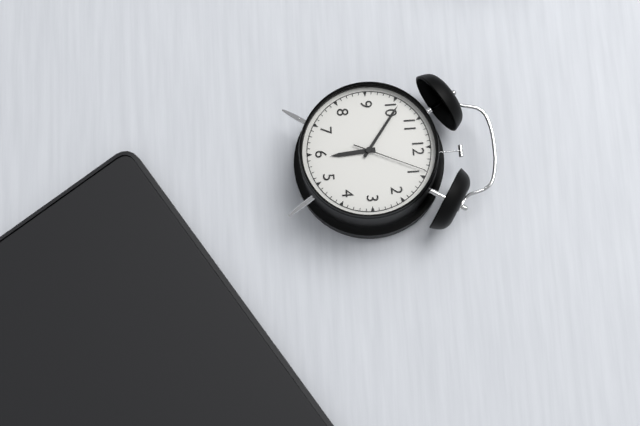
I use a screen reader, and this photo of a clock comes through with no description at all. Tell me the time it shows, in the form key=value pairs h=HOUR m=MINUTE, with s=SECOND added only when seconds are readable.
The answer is h=5 m=51 s=4
